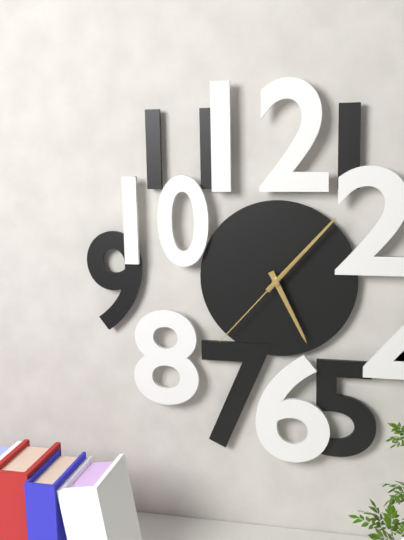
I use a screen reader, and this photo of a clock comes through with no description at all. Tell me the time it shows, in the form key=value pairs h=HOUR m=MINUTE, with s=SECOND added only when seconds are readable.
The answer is h=5 m=7 s=37
